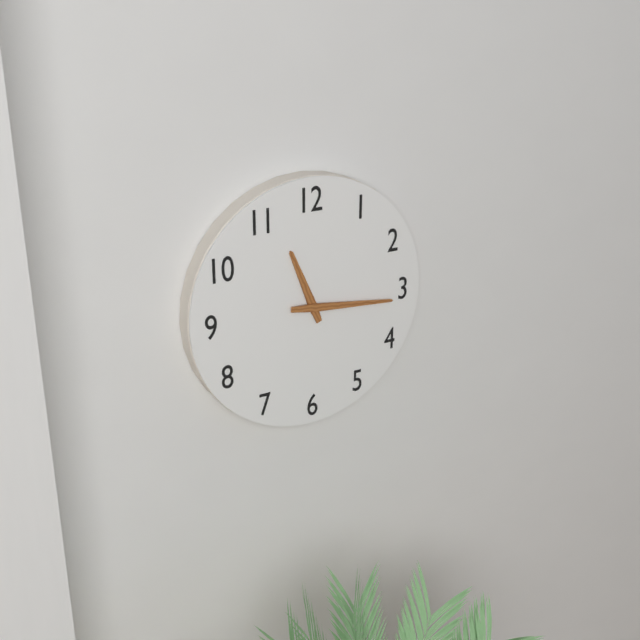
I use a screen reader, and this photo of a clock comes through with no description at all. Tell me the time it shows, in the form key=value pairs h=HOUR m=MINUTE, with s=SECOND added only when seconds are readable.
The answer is h=11 m=16
